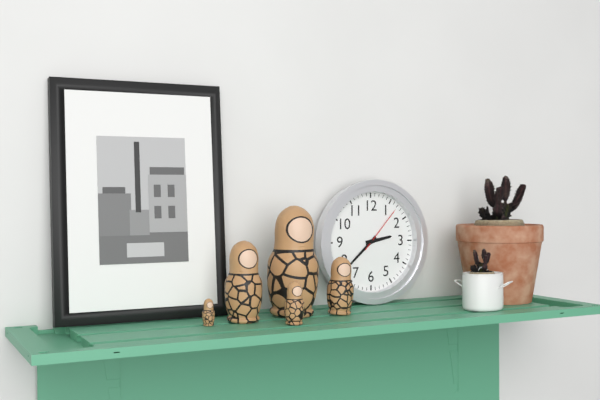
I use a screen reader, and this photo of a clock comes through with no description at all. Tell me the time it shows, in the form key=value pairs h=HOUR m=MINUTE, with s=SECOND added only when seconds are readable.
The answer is h=2 m=38 s=7
